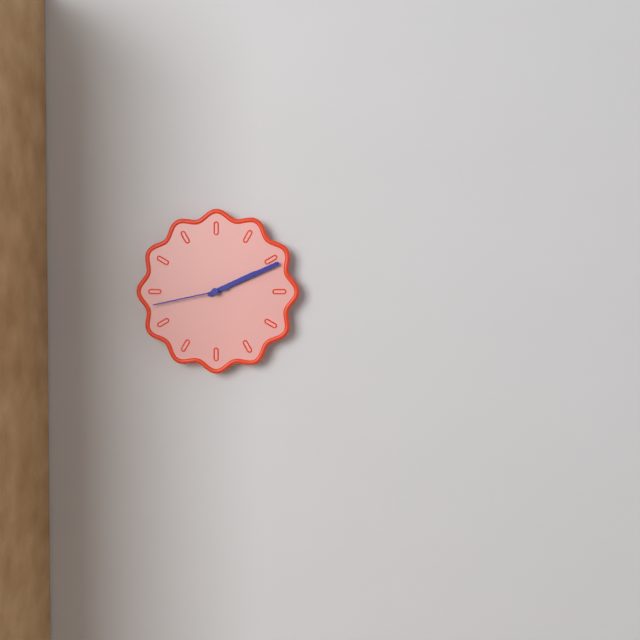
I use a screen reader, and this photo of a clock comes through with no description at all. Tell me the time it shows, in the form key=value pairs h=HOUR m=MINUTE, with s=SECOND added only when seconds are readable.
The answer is h=2 m=11 s=43
